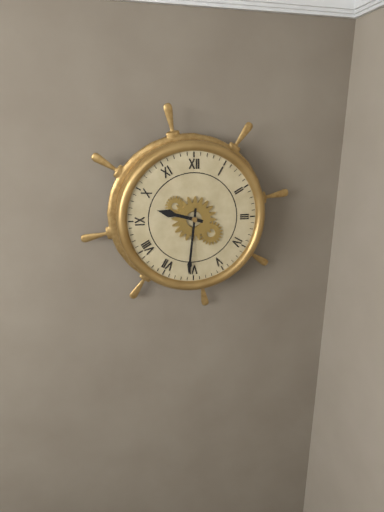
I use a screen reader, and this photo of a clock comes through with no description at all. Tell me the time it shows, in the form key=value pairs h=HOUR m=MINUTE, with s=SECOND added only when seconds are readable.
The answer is h=9 m=31
